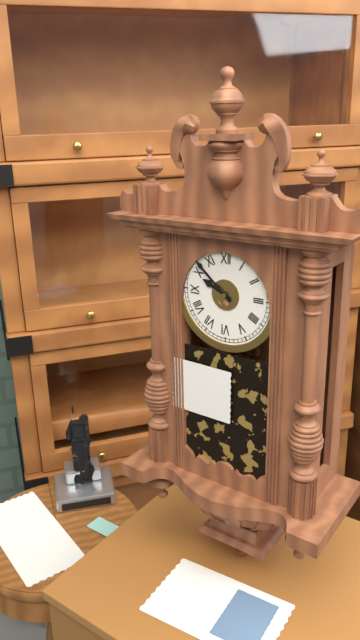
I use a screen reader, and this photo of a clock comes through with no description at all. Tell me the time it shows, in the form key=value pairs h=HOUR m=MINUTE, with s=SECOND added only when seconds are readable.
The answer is h=9 m=52
